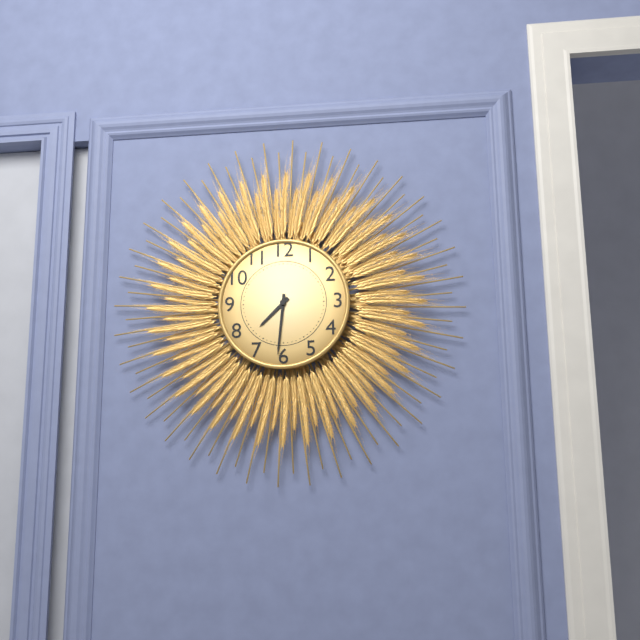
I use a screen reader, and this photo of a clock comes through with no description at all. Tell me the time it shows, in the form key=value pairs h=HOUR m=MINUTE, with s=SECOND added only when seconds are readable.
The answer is h=7 m=31
